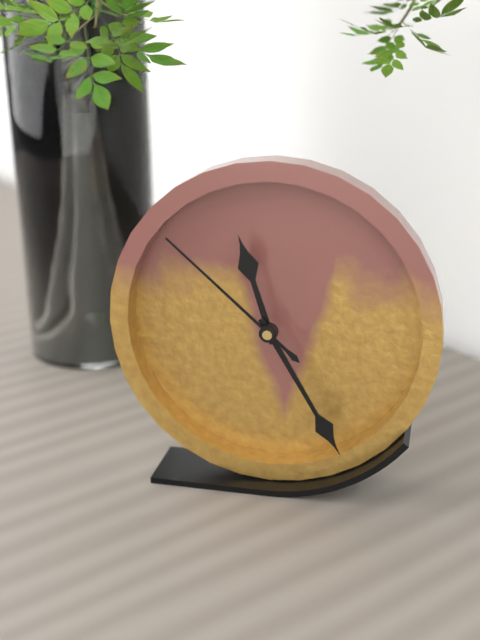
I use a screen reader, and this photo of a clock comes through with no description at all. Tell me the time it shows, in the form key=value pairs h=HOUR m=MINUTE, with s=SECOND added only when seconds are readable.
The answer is h=11 m=25 s=52
